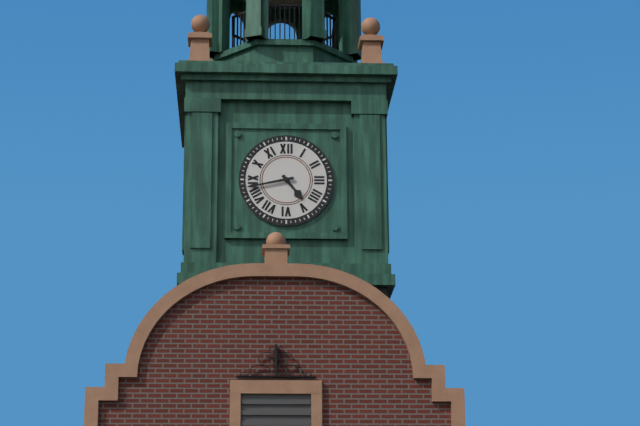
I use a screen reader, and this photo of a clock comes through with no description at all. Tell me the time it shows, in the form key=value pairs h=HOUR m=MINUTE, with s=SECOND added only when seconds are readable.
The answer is h=4 m=43
